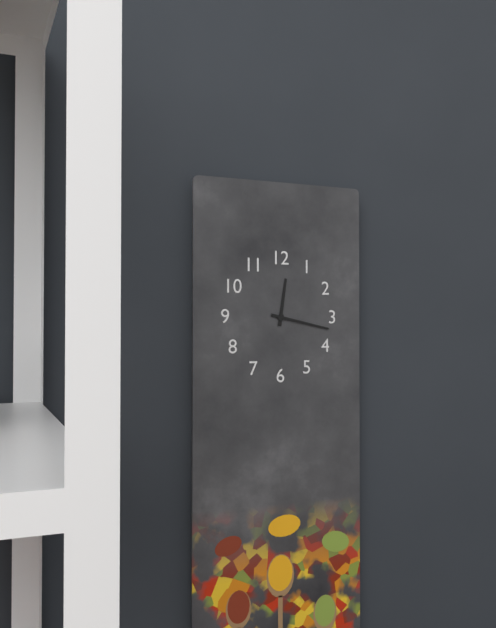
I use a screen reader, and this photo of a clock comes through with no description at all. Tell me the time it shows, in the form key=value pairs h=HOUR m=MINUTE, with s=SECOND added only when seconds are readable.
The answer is h=12 m=17
